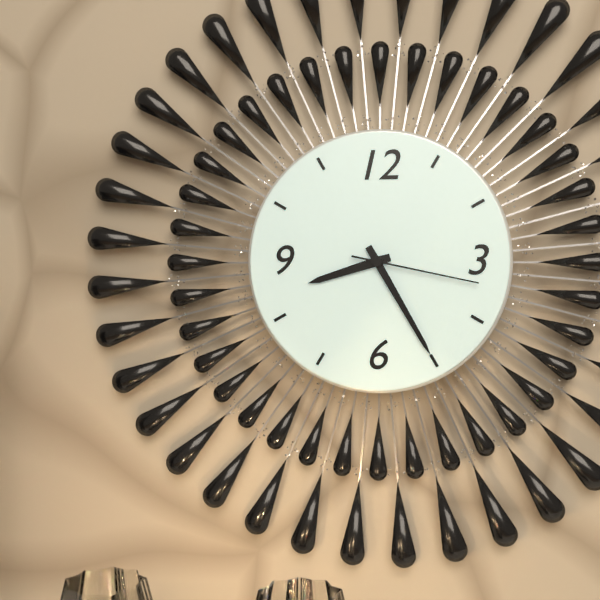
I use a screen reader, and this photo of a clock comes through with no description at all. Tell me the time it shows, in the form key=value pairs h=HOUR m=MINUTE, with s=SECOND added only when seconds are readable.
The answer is h=8 m=25 s=17
